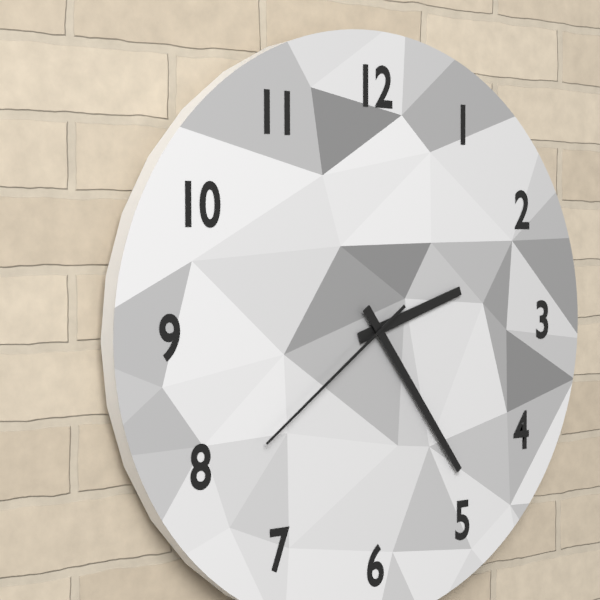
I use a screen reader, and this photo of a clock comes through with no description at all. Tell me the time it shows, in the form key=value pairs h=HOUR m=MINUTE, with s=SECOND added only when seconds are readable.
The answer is h=2 m=24 s=39
